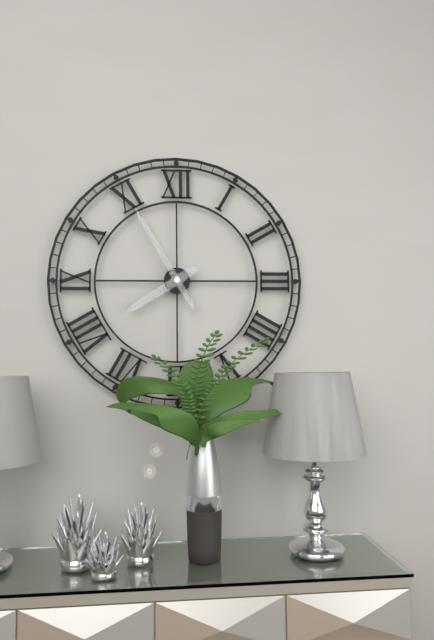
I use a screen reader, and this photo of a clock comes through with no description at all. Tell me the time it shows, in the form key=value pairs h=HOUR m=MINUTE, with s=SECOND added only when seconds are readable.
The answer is h=7 m=55
